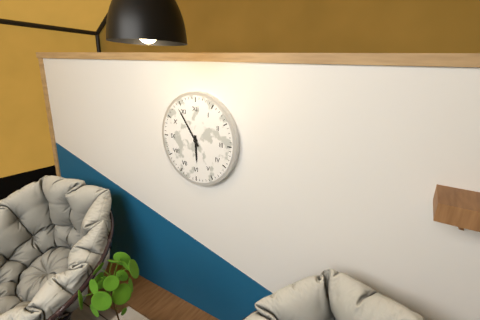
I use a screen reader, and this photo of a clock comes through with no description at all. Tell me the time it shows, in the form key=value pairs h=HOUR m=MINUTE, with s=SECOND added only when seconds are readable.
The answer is h=5 m=54
